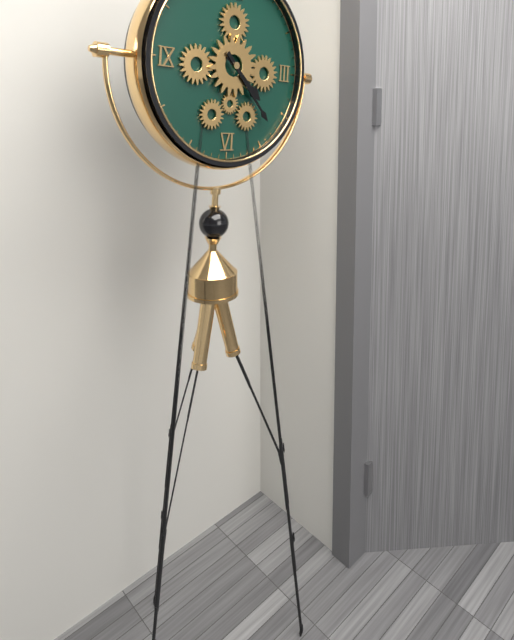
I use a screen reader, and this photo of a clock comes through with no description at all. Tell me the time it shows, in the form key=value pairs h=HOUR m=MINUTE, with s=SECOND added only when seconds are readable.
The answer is h=4 m=23
